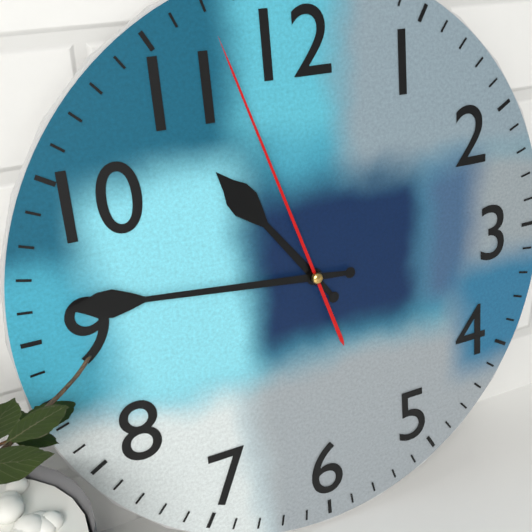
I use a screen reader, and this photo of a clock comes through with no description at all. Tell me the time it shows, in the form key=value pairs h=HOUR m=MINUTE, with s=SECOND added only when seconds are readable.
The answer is h=10 m=46 s=57
